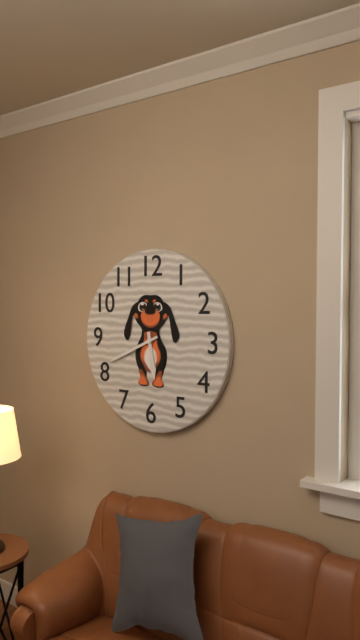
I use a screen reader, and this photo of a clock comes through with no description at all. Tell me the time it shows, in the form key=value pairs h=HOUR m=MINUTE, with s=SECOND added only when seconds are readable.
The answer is h=5 m=41
